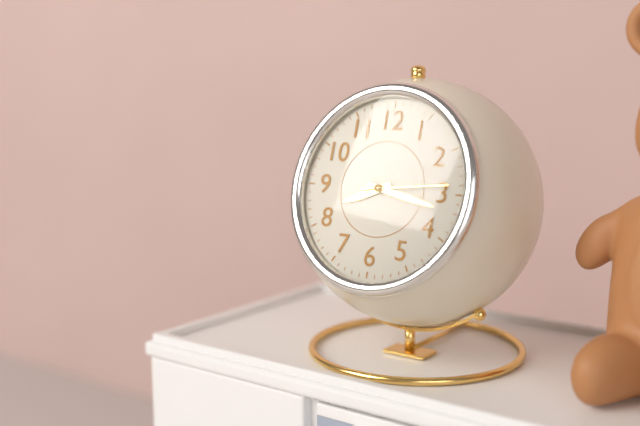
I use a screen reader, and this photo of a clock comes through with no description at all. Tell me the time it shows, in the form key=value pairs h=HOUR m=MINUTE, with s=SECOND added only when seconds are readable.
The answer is h=8 m=17 s=14
